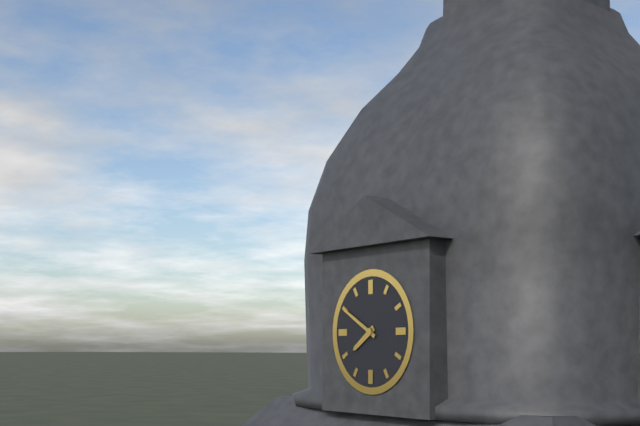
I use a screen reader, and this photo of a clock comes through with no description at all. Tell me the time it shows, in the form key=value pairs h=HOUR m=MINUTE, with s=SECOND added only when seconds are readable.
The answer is h=7 m=50
